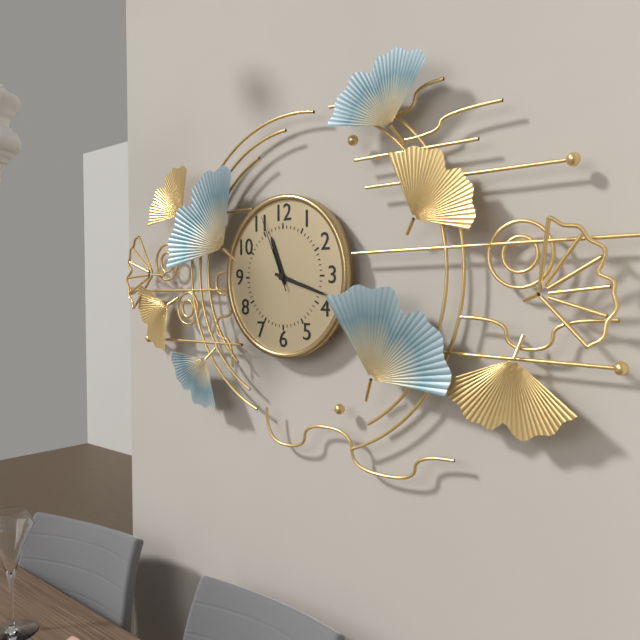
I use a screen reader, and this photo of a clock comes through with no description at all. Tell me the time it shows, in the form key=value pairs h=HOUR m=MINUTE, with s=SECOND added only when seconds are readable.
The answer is h=11 m=18 s=56
